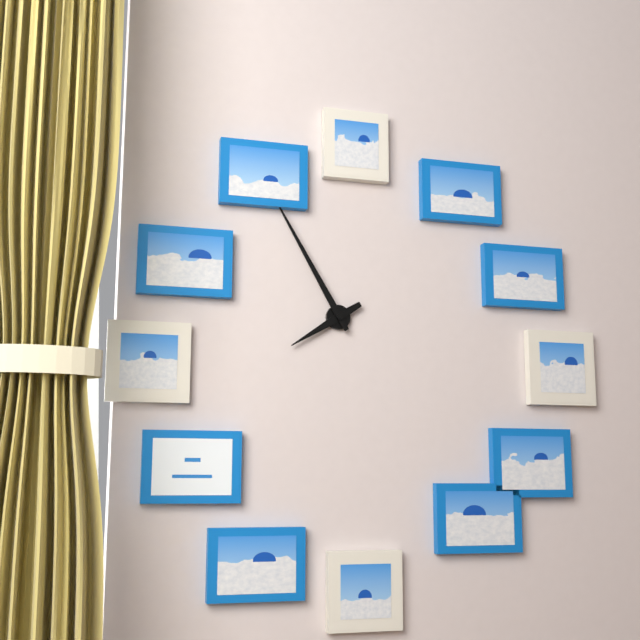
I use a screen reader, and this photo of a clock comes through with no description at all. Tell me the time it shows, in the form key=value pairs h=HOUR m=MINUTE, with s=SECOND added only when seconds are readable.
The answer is h=7 m=55
